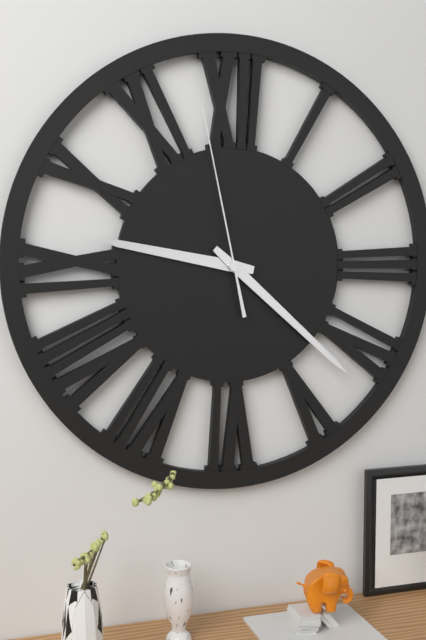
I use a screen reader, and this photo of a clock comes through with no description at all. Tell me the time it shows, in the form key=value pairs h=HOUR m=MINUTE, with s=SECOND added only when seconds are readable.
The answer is h=9 m=22 s=58
